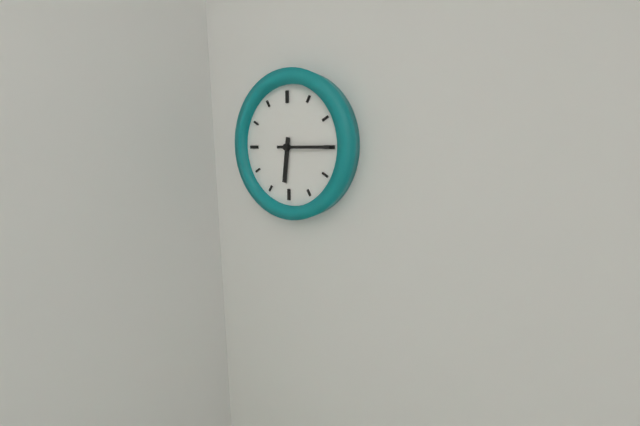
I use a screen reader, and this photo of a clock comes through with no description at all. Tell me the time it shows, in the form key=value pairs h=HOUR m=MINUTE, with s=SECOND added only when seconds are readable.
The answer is h=6 m=15
